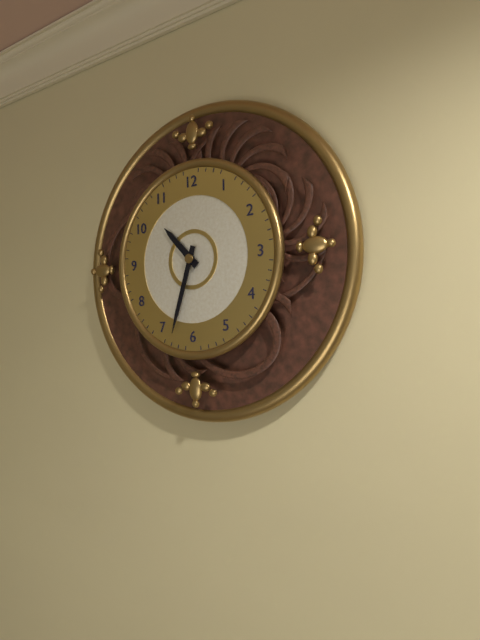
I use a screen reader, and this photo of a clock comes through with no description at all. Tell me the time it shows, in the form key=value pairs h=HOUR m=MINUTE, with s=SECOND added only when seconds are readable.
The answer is h=10 m=33
